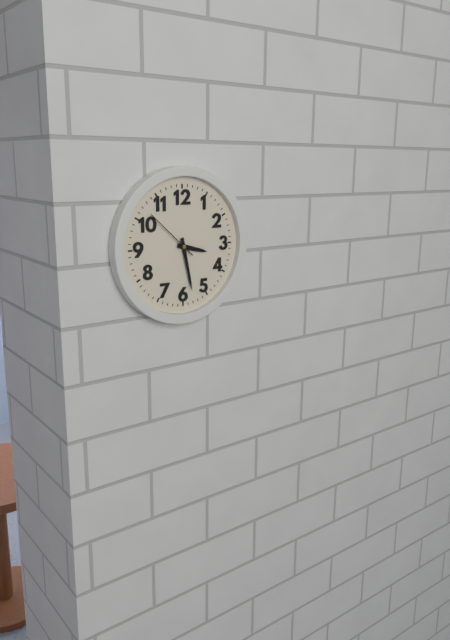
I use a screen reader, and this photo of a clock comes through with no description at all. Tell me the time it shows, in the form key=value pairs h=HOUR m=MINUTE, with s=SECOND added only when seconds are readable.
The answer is h=3 m=28 s=52
